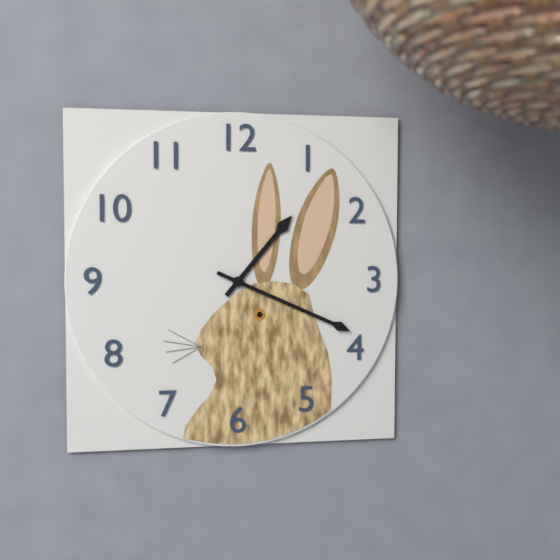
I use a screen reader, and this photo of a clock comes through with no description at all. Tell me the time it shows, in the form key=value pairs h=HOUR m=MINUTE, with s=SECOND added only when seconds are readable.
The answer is h=1 m=19
